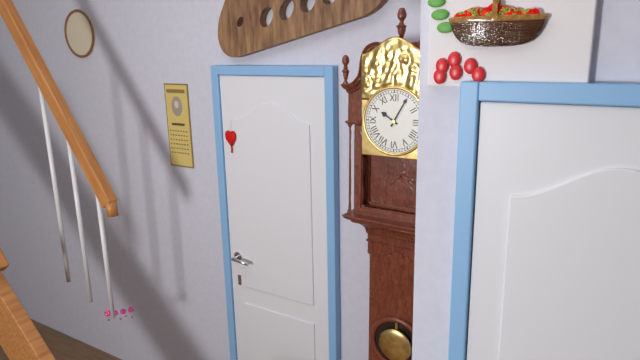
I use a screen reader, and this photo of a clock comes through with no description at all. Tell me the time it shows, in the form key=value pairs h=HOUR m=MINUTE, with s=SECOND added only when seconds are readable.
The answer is h=10 m=5
